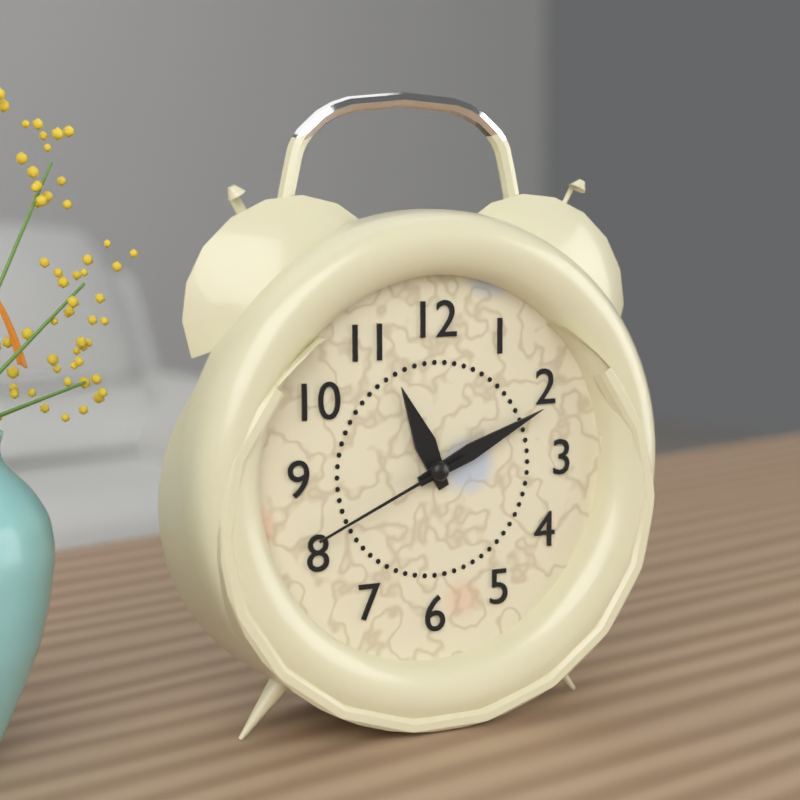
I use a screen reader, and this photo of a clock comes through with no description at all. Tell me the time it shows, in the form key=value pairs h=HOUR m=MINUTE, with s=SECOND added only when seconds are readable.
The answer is h=11 m=11 s=41
